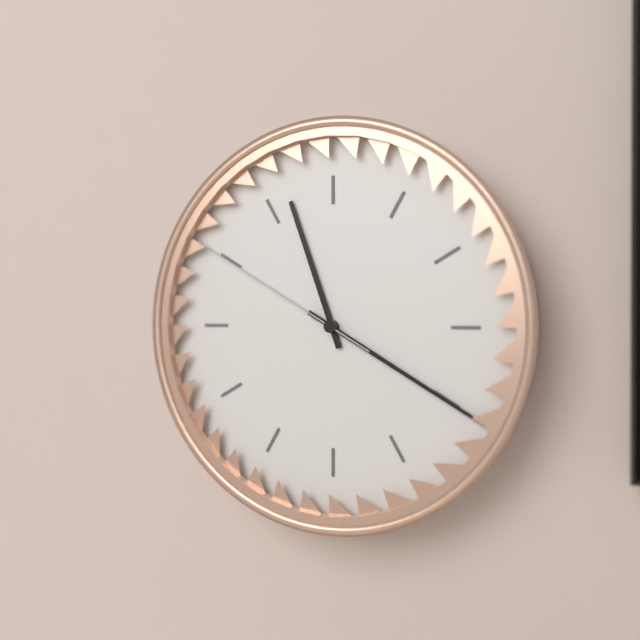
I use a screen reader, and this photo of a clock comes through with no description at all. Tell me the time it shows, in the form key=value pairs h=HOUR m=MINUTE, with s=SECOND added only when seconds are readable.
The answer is h=11 m=20 s=50
